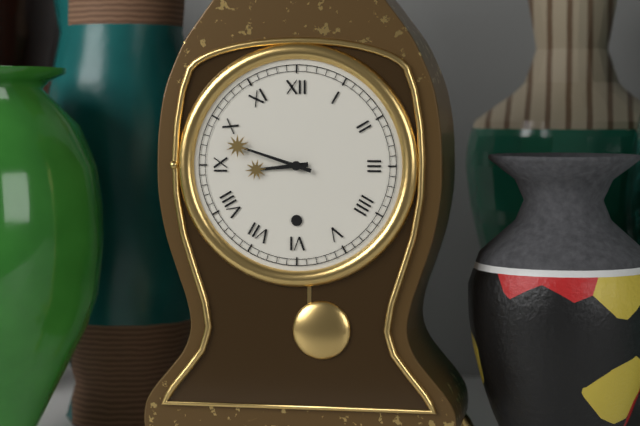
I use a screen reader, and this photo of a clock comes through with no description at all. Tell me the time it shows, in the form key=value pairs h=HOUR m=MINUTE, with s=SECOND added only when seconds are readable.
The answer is h=8 m=48
